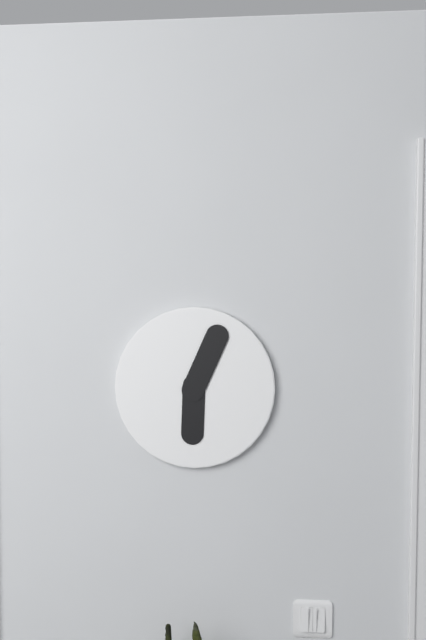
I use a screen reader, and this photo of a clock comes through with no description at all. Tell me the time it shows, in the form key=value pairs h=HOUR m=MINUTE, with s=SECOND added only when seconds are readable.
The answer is h=6 m=4
